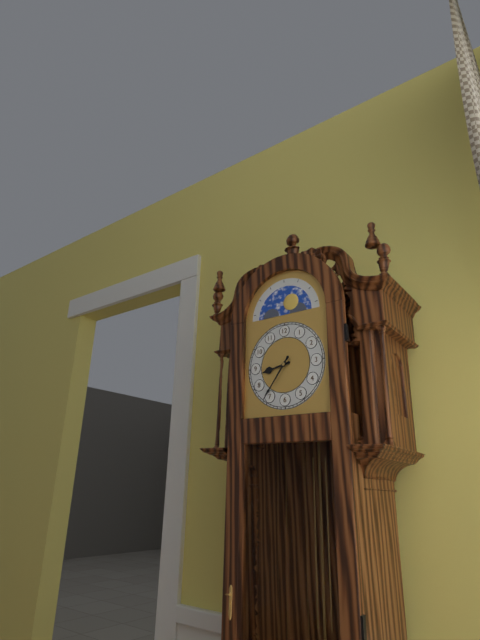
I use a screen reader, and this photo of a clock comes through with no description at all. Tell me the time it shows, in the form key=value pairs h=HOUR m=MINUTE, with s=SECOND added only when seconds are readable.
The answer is h=8 m=36
